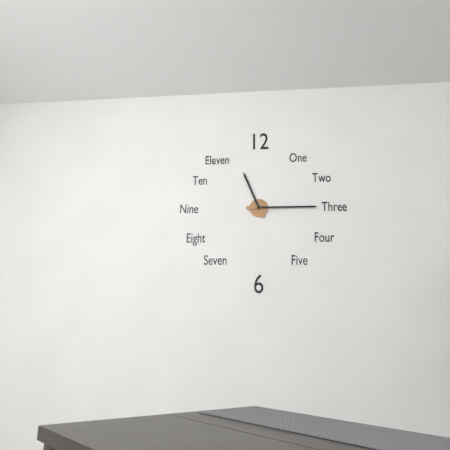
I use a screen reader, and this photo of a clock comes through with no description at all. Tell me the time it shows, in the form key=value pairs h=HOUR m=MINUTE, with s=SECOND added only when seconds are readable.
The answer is h=11 m=15
